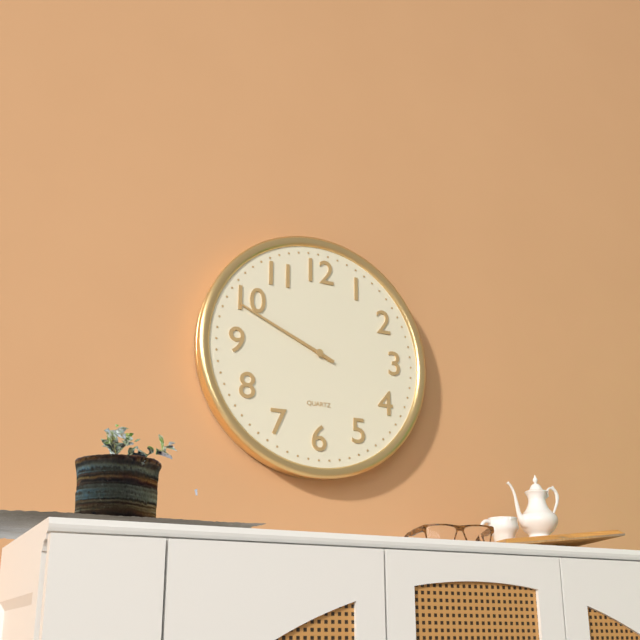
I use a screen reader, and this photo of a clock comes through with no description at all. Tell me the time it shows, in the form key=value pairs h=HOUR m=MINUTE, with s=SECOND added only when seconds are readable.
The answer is h=9 m=49
